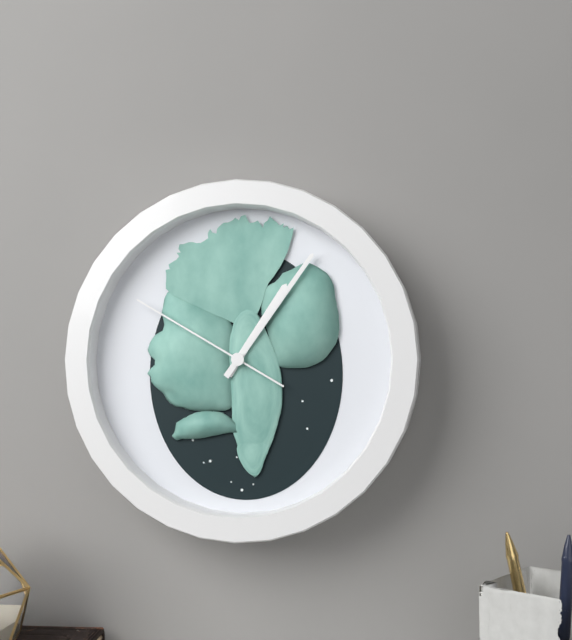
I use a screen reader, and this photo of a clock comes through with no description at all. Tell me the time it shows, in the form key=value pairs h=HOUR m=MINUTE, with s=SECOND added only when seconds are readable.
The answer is h=1 m=6 s=50
